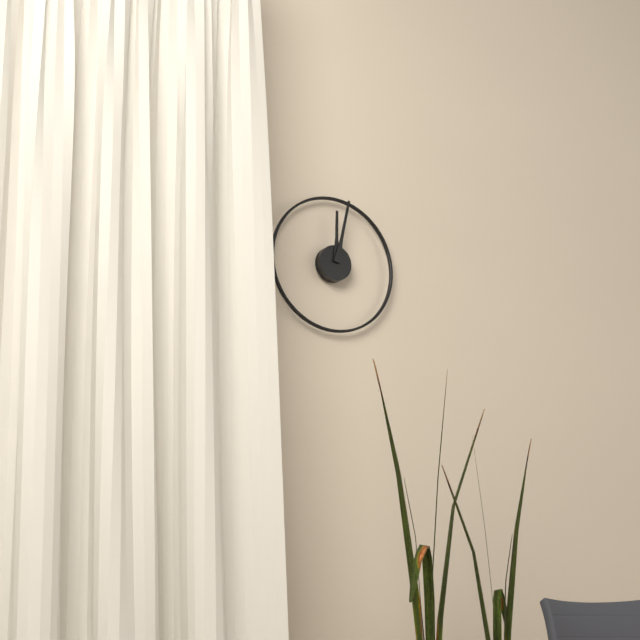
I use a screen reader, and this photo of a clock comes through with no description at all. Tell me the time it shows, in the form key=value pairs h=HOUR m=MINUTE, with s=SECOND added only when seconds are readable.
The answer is h=12 m=2
